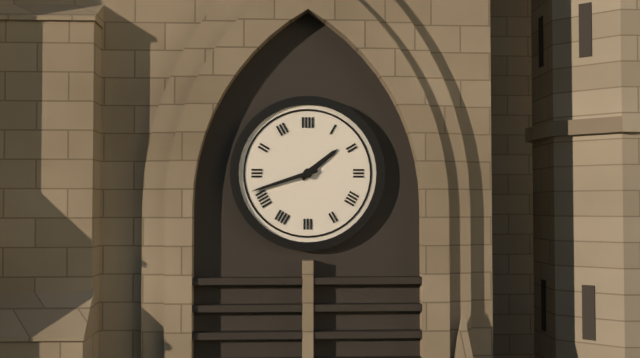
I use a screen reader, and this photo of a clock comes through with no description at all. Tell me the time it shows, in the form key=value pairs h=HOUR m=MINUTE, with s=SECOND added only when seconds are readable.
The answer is h=1 m=42
